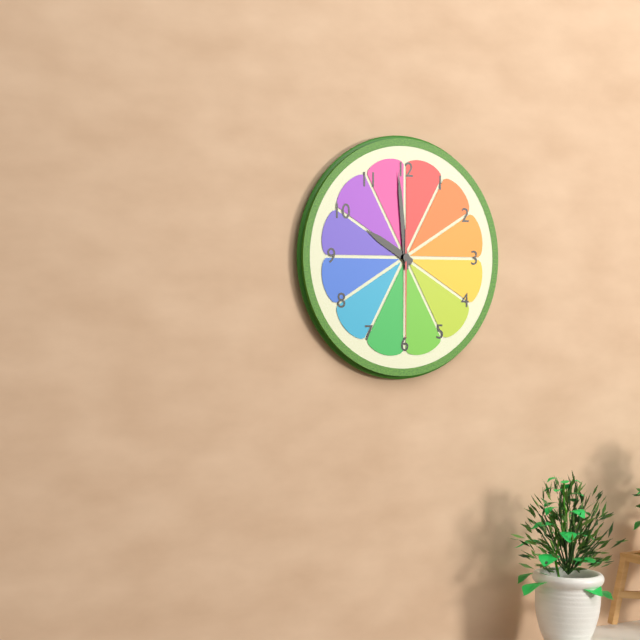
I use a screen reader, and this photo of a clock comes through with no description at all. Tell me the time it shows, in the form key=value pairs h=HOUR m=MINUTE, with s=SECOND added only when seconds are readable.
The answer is h=9 m=59 s=30
